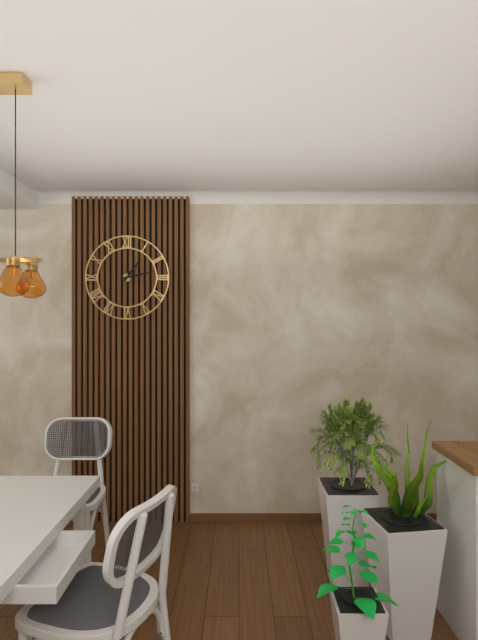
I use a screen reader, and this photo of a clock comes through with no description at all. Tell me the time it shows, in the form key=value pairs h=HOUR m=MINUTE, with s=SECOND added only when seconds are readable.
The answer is h=1 m=13
